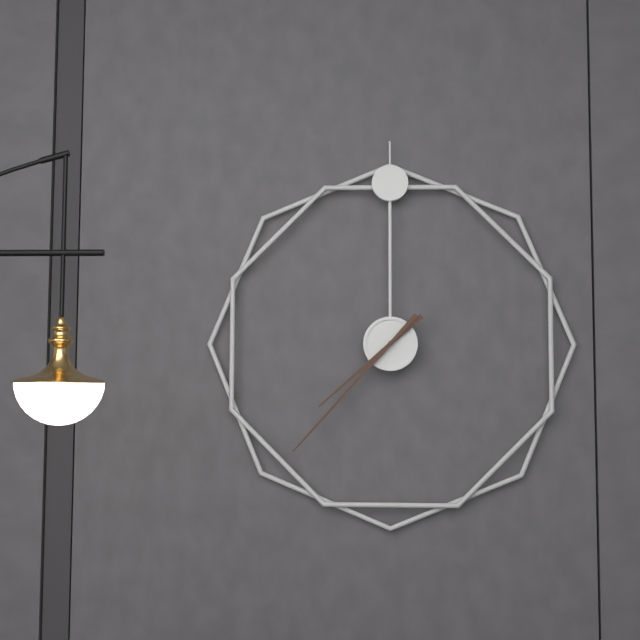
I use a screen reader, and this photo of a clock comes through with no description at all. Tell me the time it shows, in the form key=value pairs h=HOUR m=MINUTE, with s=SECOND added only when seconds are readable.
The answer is h=7 m=37
